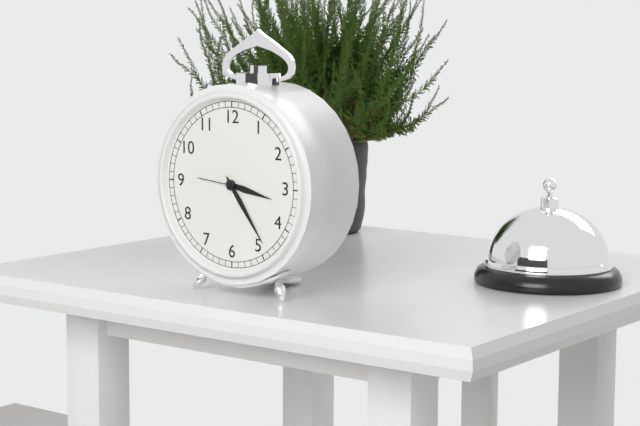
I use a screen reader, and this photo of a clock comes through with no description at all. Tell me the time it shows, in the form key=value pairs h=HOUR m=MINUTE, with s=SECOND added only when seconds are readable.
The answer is h=3 m=24
